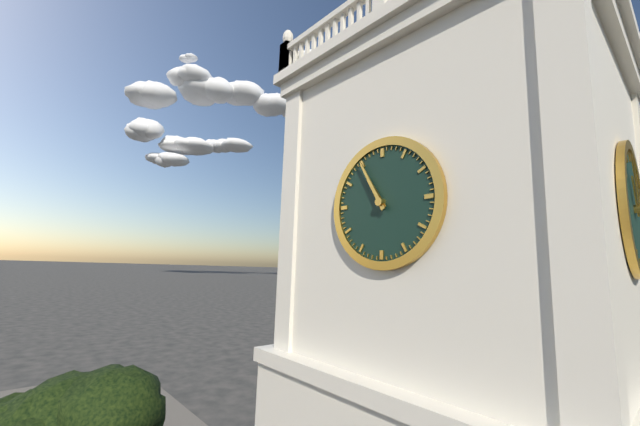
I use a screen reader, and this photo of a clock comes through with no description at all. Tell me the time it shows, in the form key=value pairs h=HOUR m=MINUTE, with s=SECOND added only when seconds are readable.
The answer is h=10 m=55
